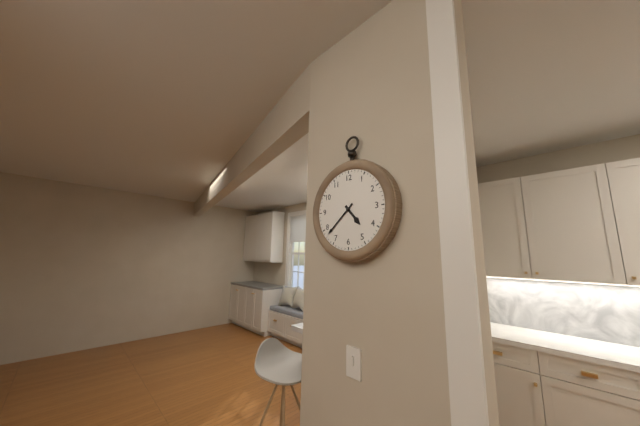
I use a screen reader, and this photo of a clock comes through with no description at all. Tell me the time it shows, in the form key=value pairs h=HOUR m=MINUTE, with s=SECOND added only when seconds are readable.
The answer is h=4 m=38
